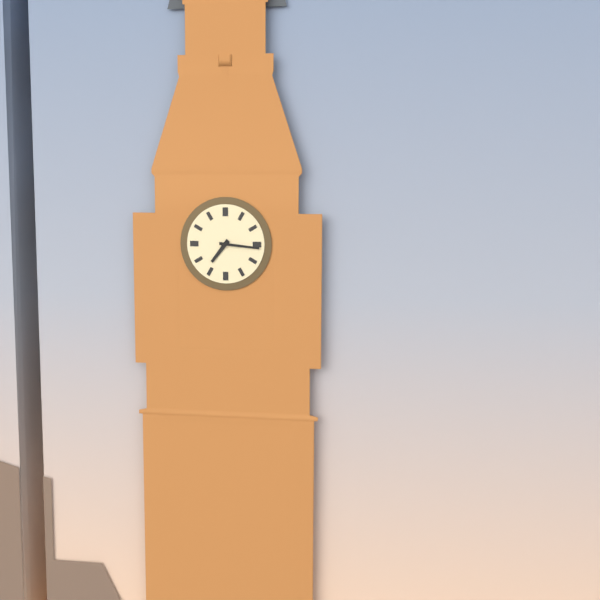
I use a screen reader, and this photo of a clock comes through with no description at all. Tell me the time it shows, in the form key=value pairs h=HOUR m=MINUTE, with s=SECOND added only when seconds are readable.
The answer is h=7 m=16
